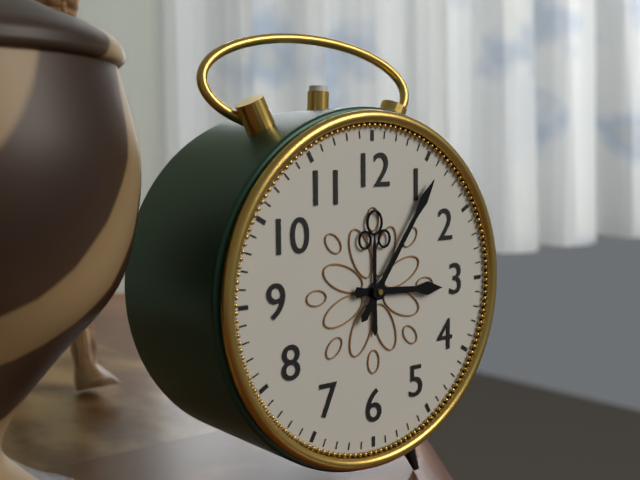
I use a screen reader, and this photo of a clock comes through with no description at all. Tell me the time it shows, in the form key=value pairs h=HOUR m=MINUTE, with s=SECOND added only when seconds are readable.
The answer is h=3 m=6
